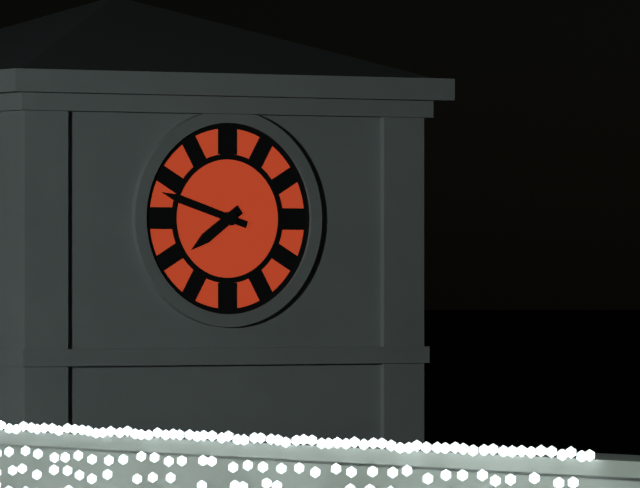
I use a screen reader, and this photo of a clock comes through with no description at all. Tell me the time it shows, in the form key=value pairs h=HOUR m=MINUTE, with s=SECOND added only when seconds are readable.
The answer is h=7 m=48
